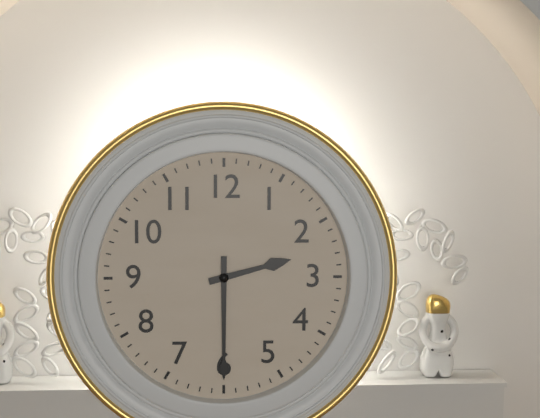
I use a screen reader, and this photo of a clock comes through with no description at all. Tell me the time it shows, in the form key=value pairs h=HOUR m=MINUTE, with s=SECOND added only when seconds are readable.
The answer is h=2 m=30
